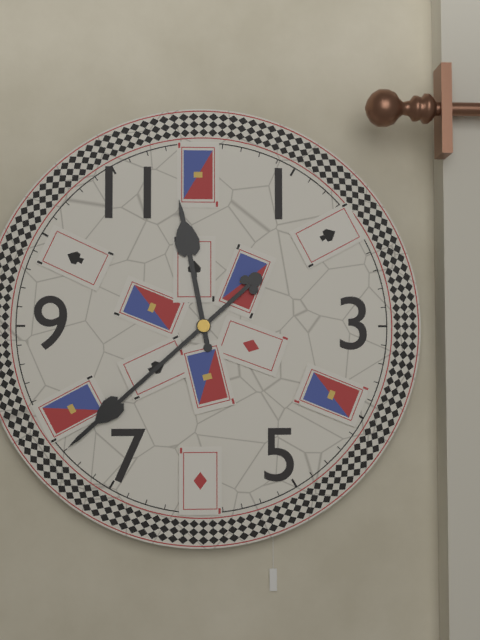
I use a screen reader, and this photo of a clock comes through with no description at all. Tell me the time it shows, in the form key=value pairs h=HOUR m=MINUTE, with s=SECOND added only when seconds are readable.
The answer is h=11 m=38
